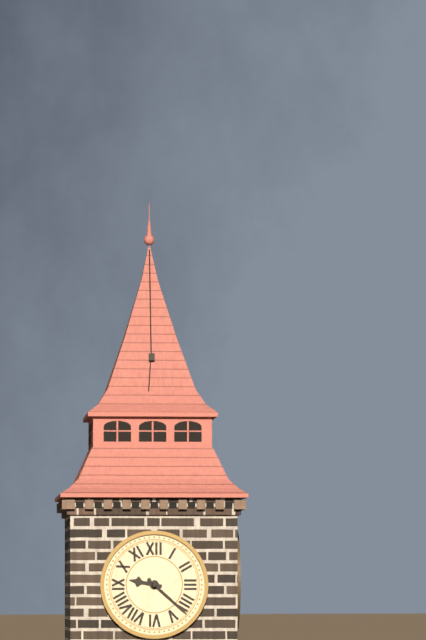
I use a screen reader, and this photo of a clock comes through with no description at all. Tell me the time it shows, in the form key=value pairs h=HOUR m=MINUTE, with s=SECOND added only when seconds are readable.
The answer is h=9 m=22
